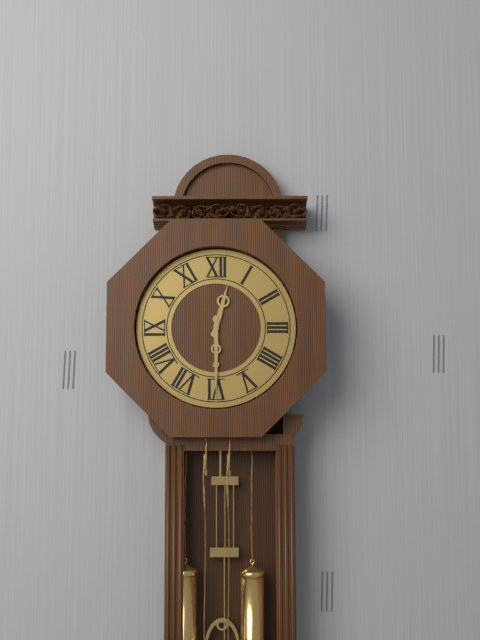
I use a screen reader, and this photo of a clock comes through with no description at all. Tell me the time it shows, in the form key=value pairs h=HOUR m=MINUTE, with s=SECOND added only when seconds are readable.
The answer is h=12 m=30
